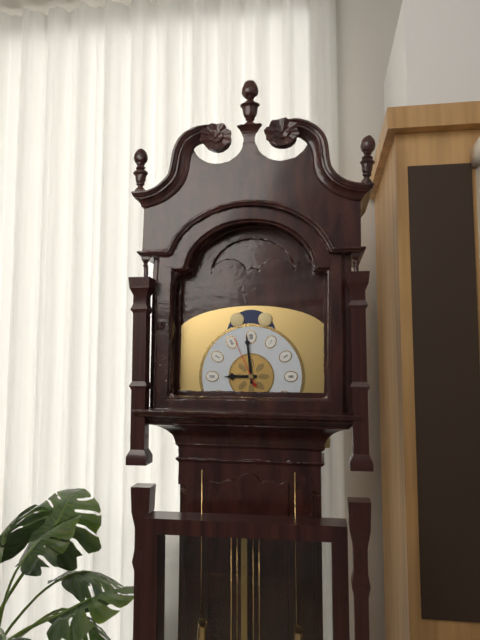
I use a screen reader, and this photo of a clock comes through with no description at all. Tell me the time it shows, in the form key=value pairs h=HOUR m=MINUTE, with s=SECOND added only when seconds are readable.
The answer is h=8 m=59 s=56
